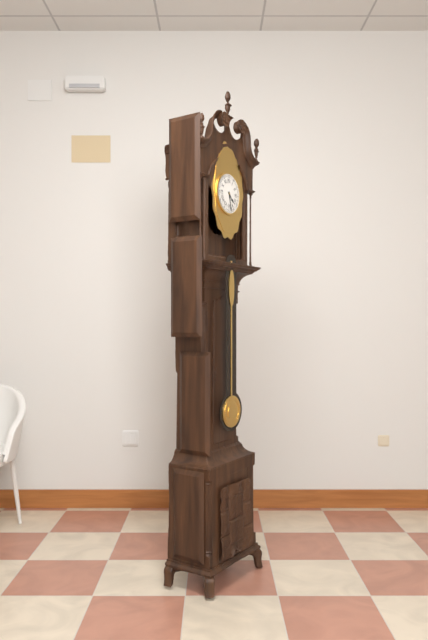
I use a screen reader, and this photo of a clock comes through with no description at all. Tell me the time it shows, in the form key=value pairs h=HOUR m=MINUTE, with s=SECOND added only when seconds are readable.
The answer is h=4 m=28
